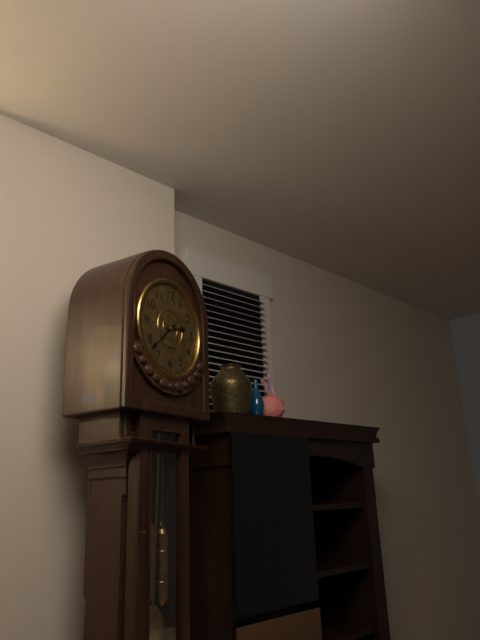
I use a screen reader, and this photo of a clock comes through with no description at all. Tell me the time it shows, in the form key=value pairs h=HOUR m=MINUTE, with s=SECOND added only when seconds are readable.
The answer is h=2 m=38
